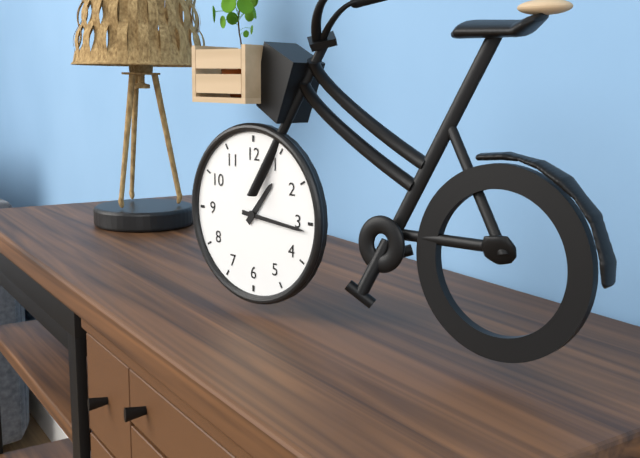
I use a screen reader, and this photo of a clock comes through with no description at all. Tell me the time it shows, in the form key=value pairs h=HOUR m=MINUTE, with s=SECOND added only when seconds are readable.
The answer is h=1 m=16
